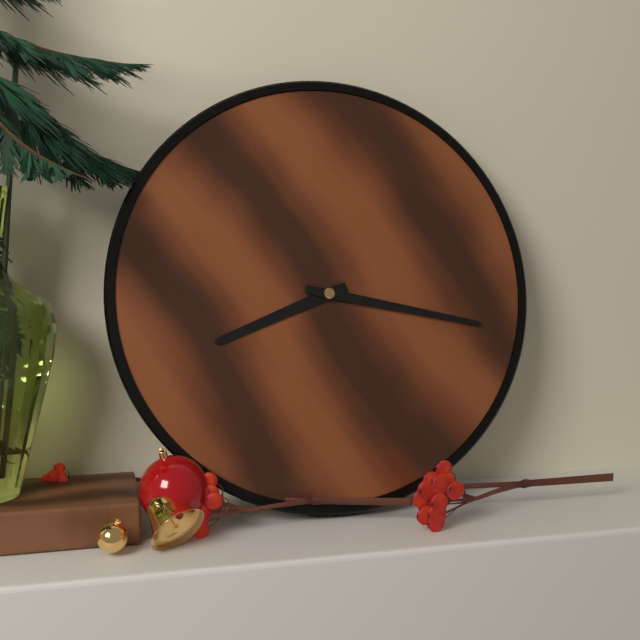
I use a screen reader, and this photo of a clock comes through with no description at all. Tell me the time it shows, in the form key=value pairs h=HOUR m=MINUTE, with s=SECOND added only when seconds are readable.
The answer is h=8 m=17
